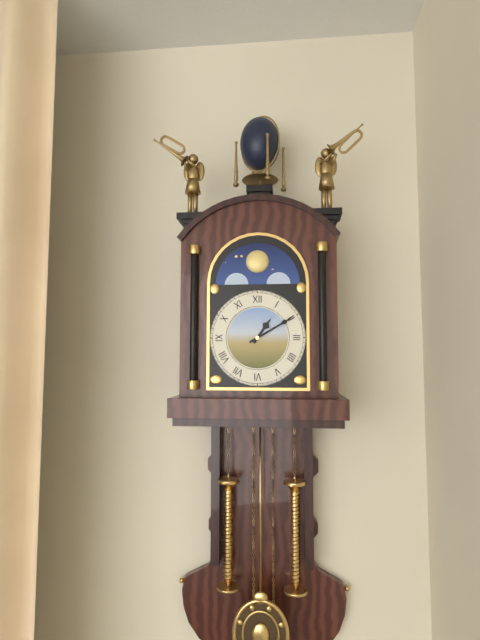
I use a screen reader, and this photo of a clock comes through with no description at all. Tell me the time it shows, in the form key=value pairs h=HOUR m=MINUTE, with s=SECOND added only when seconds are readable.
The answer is h=1 m=10
